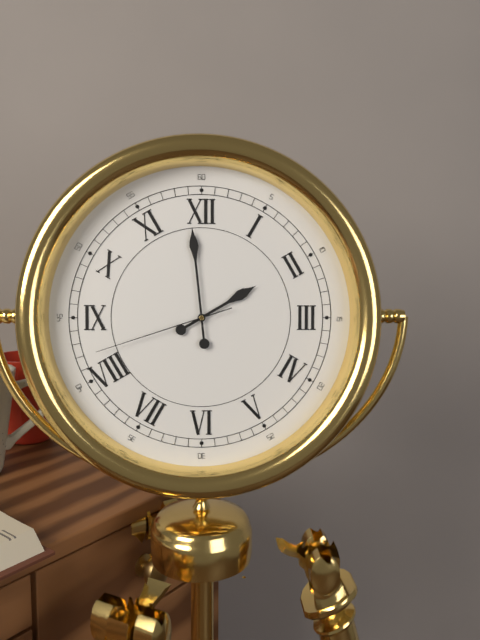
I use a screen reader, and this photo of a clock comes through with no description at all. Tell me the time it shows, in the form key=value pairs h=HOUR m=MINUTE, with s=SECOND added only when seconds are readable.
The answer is h=1 m=59 s=42
